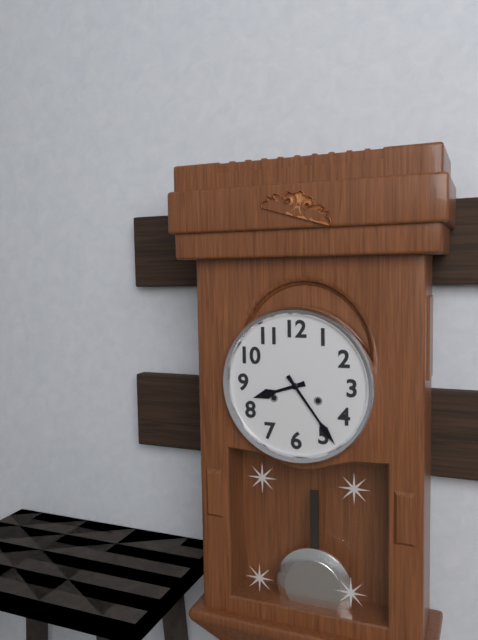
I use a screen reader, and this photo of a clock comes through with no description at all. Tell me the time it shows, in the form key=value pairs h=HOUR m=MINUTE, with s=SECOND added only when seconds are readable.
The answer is h=8 m=24
